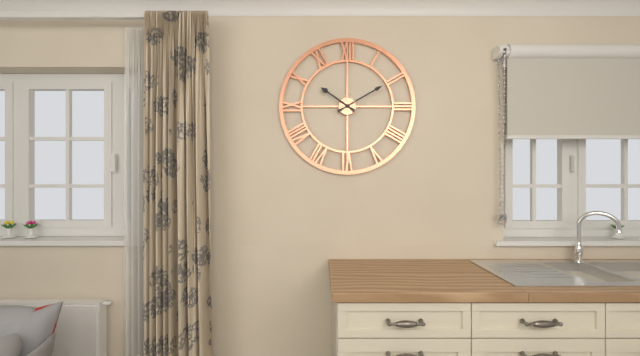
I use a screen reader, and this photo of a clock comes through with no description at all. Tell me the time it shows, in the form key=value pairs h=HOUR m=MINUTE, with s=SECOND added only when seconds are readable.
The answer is h=10 m=10
